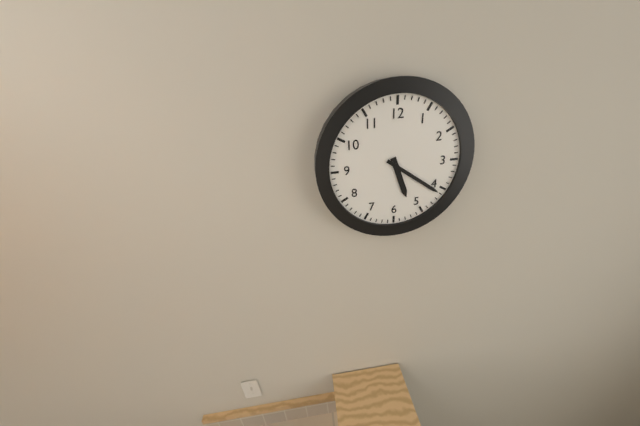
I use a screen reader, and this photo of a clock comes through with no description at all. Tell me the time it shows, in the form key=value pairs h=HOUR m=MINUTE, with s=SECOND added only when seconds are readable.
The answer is h=5 m=21
